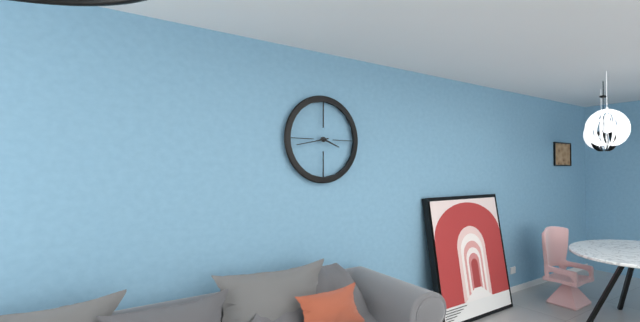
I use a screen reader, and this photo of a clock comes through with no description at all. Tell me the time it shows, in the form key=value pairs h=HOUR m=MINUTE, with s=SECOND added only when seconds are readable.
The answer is h=3 m=43
